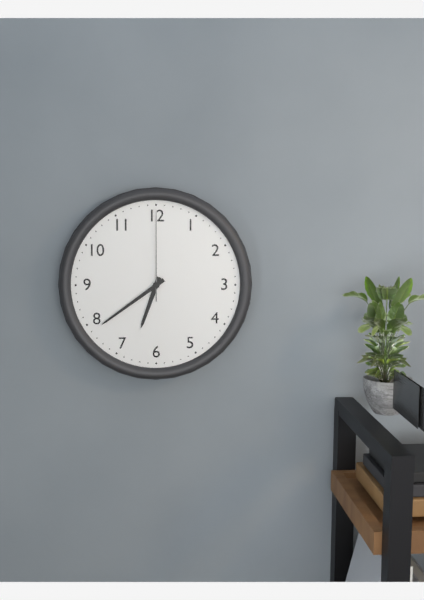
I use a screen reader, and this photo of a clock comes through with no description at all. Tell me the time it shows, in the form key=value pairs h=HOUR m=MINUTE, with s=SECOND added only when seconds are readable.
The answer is h=6 m=39 s=0
